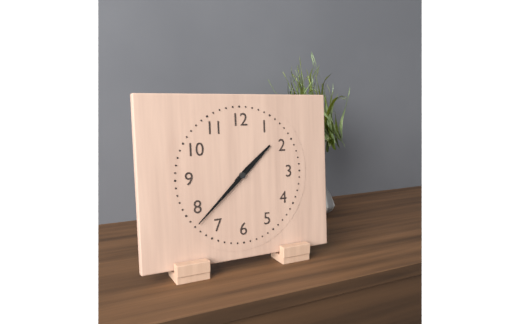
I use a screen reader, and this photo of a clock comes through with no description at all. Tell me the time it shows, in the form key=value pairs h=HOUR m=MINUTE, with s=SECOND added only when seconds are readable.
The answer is h=1 m=38
